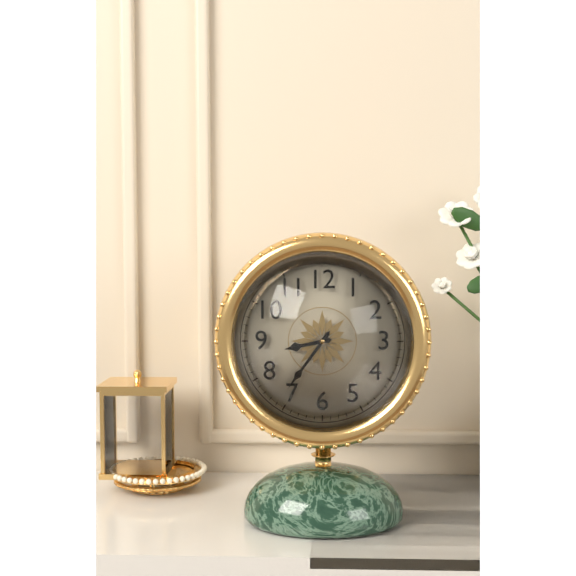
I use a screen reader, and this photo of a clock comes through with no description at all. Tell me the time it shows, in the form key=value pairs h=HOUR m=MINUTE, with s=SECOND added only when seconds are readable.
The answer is h=8 m=36
